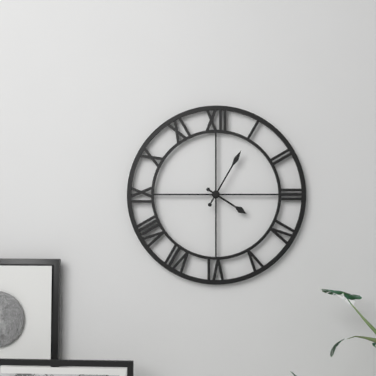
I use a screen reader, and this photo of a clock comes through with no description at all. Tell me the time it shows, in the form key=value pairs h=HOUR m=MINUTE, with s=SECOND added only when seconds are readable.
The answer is h=4 m=5
